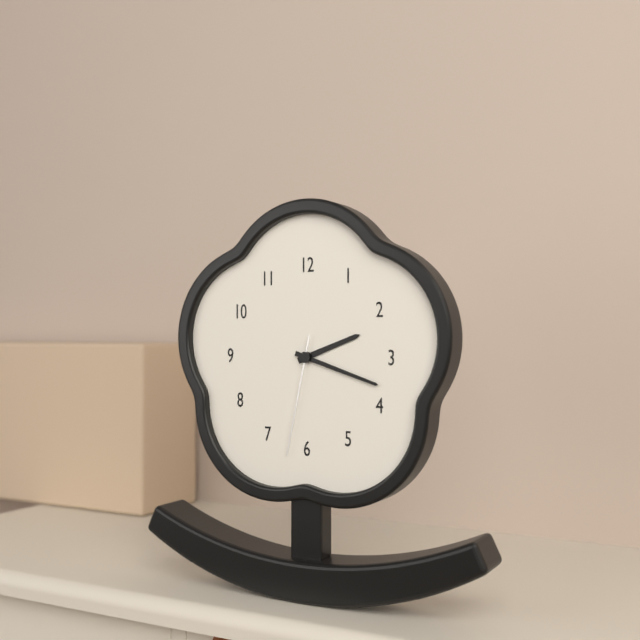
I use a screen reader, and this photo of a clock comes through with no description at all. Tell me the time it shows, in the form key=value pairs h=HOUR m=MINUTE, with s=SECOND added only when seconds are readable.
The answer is h=2 m=18 s=32
